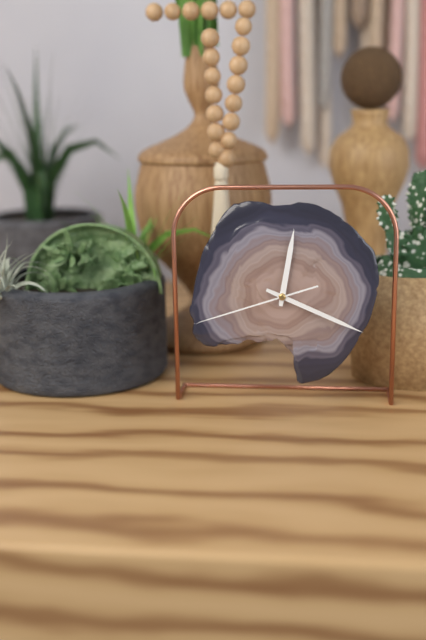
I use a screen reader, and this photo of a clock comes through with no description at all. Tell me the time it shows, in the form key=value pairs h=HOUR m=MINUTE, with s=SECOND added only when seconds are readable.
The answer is h=12 m=19 s=42
